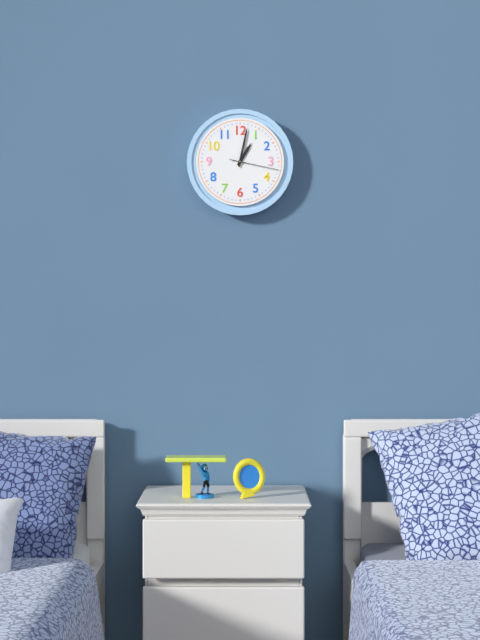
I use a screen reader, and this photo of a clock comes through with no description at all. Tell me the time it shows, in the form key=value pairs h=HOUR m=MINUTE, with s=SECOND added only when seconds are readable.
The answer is h=1 m=2
